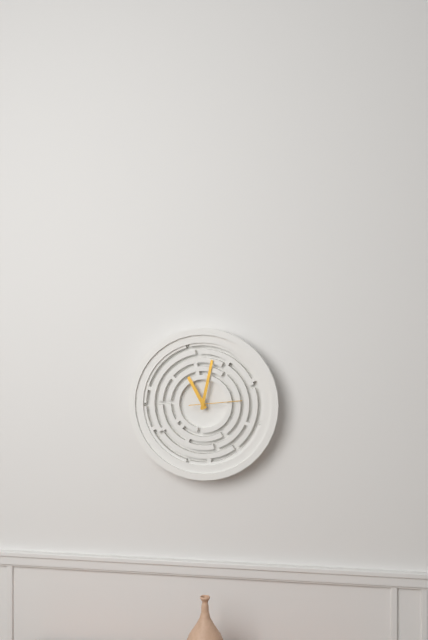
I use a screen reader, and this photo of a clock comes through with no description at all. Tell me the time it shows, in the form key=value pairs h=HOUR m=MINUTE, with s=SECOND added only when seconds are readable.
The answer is h=11 m=2
